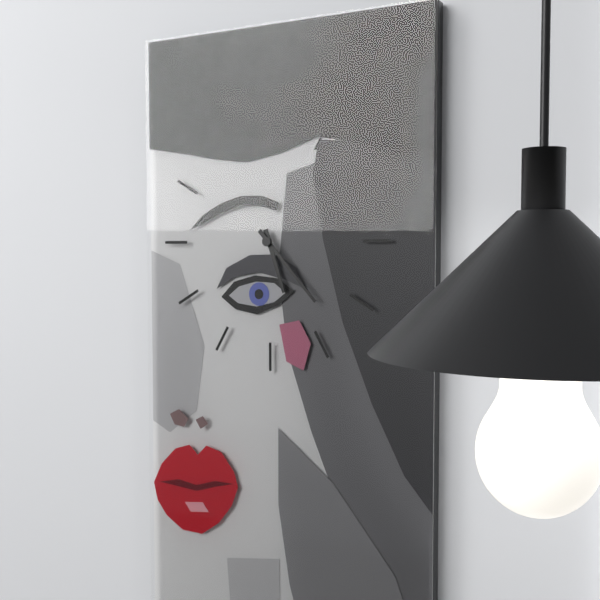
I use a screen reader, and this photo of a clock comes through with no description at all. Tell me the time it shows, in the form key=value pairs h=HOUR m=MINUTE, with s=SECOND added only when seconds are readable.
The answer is h=5 m=23
